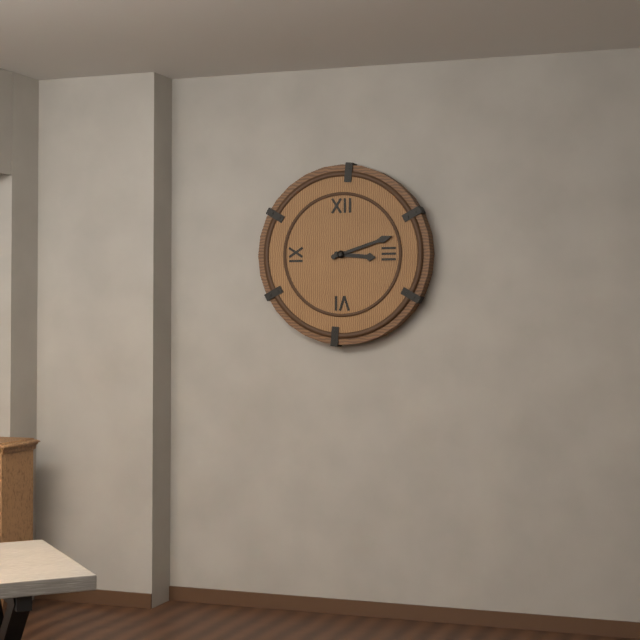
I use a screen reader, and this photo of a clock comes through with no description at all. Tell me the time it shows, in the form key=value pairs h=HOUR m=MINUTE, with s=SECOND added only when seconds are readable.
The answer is h=3 m=12
